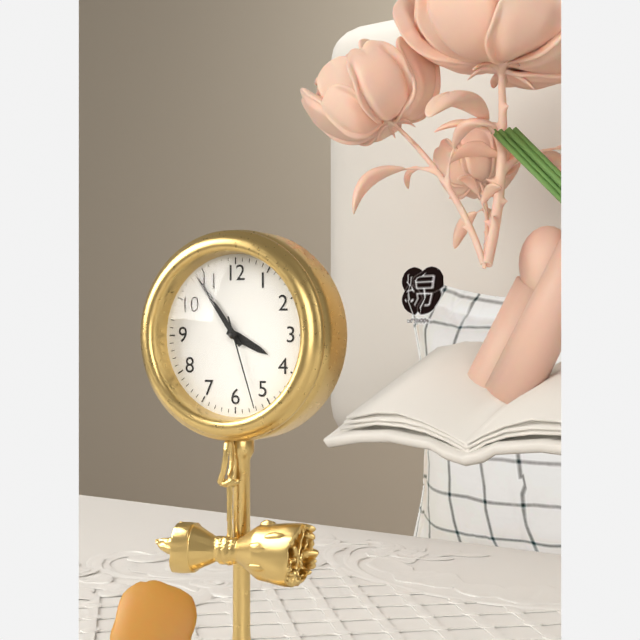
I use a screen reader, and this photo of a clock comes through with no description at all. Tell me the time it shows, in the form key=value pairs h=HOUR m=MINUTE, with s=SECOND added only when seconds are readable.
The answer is h=3 m=54 s=27
